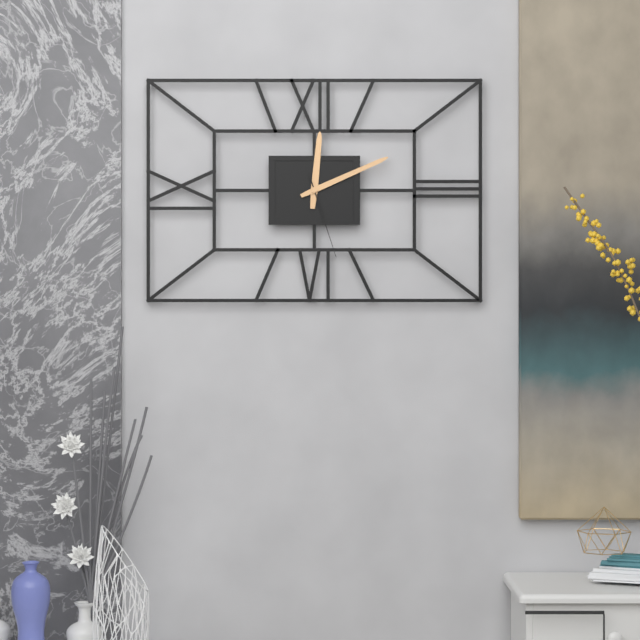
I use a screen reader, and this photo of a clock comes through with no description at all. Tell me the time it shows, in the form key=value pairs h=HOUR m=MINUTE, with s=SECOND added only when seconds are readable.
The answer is h=12 m=11 s=27
